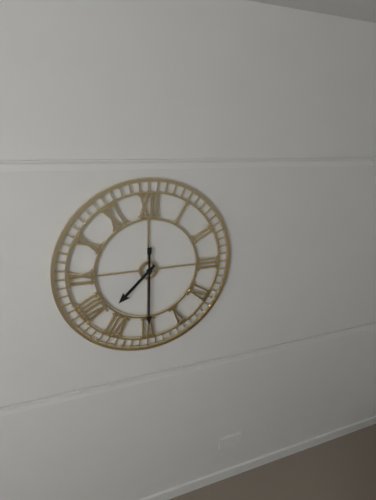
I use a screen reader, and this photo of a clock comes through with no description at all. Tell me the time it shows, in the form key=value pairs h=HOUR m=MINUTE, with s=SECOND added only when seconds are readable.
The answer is h=7 m=30
